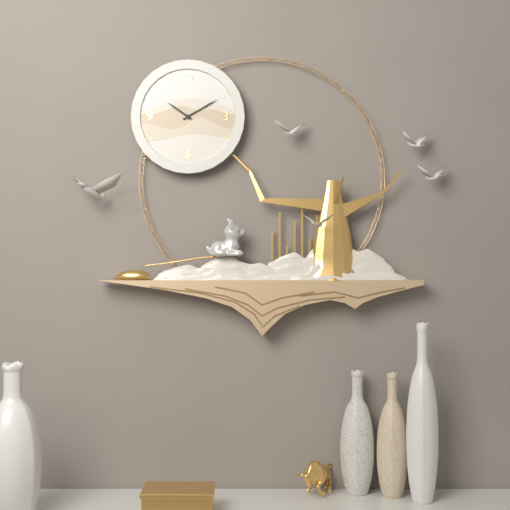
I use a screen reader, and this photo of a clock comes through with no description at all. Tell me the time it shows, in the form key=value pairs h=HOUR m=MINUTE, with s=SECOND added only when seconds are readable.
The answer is h=10 m=10
